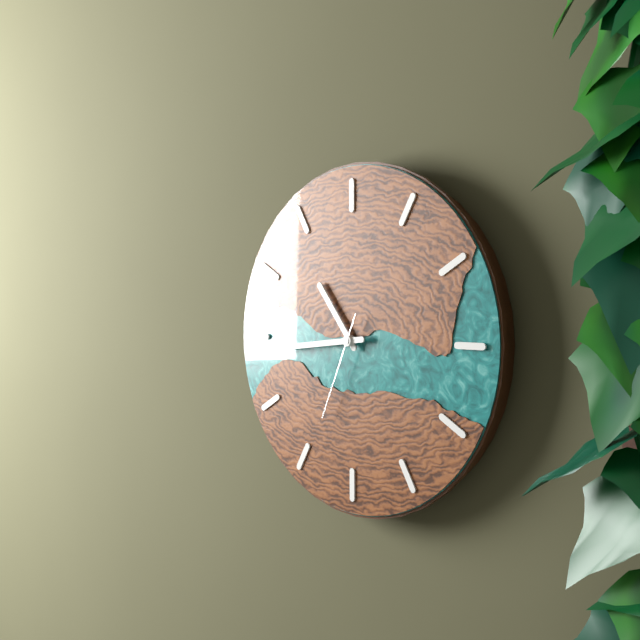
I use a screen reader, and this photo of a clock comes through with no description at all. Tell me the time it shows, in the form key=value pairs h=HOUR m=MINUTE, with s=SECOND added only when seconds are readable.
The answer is h=10 m=44 s=34
